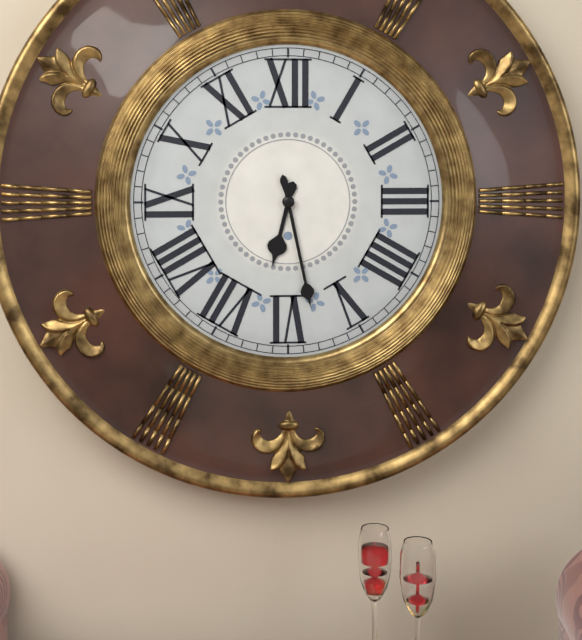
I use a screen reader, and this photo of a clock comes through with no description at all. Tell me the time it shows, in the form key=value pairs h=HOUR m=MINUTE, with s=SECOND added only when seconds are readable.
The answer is h=6 m=28
